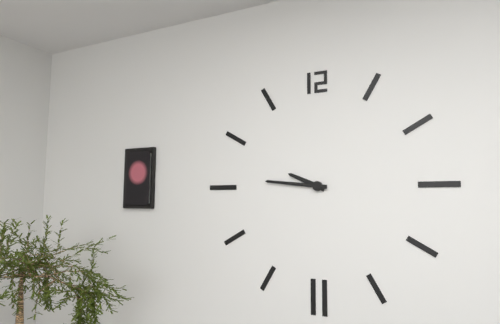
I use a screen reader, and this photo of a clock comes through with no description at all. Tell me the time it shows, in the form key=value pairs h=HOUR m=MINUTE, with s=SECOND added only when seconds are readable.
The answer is h=9 m=46
